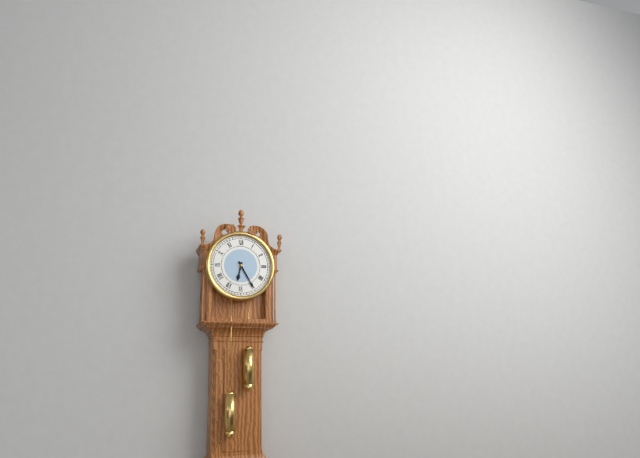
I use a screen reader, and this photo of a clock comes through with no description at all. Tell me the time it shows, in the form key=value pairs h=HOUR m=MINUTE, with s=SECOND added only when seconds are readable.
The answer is h=6 m=25
